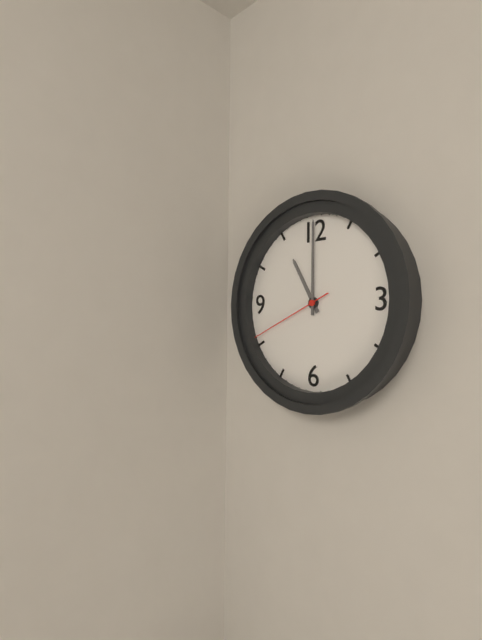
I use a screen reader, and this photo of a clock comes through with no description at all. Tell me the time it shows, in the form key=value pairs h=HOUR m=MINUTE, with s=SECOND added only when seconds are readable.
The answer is h=11 m=0 s=41
